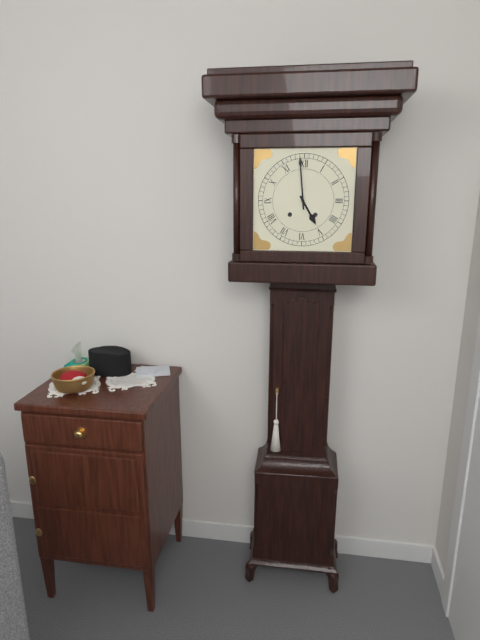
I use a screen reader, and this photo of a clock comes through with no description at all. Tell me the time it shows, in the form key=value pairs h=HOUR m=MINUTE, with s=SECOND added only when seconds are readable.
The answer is h=4 m=59
